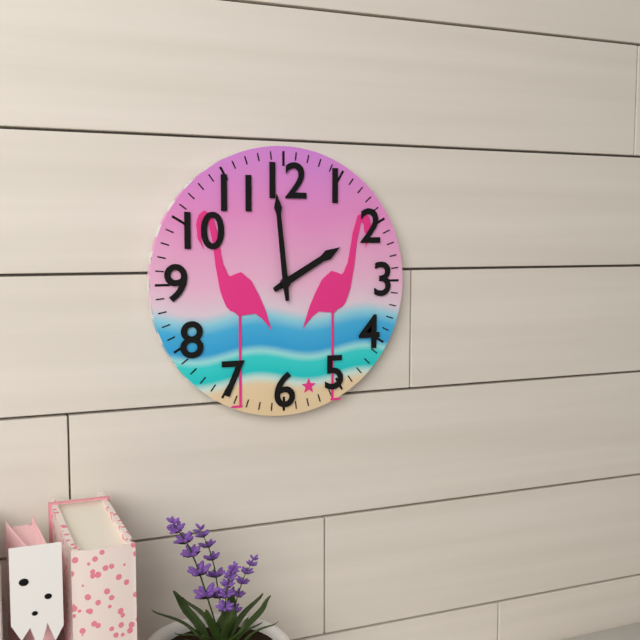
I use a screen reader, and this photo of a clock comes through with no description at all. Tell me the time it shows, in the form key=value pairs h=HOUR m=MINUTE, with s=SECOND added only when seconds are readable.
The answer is h=1 m=59
